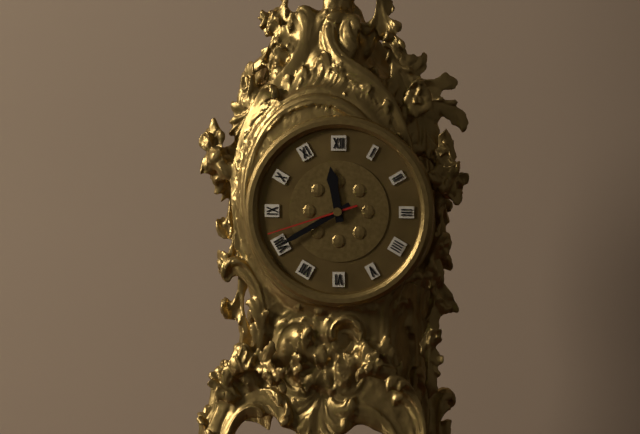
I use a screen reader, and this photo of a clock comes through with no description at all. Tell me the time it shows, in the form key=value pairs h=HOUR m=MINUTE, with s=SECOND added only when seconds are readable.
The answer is h=11 m=40 s=42
